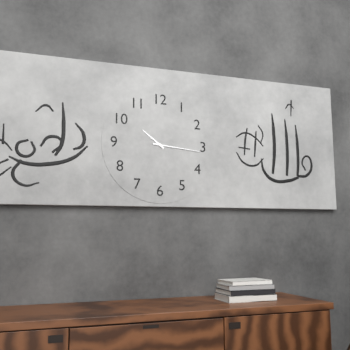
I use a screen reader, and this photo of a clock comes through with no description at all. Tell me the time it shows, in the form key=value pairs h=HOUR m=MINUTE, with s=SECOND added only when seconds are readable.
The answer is h=10 m=16
